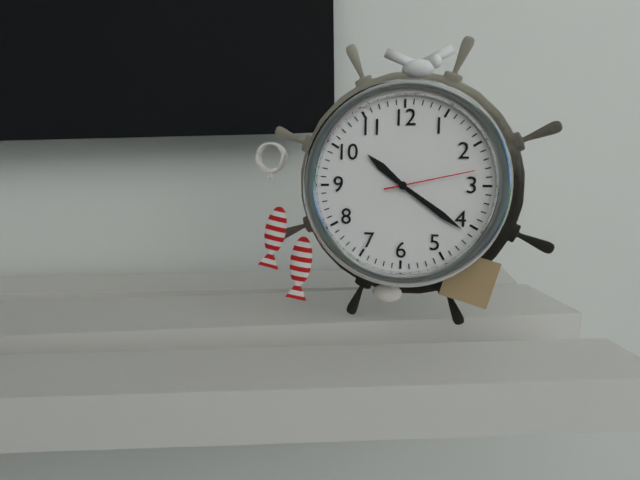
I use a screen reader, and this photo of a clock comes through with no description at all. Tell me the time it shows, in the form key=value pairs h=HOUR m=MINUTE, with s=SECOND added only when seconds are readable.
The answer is h=10 m=21 s=13
